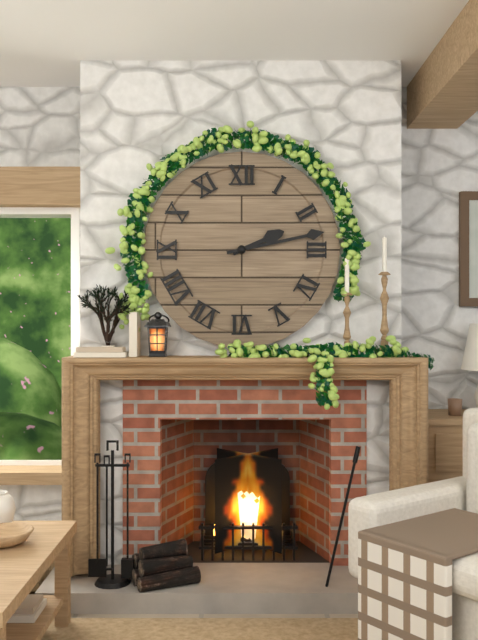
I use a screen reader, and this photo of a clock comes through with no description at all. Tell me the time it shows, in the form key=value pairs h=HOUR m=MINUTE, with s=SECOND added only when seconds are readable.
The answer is h=2 m=13
